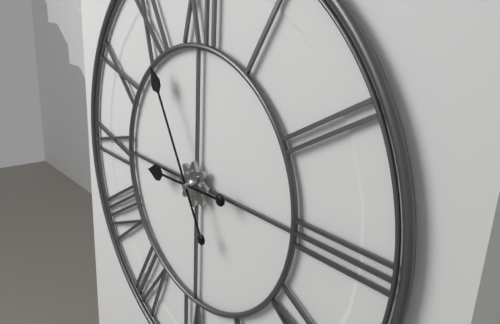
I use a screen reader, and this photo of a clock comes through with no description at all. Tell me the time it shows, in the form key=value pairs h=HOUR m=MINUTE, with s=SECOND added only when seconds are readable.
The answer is h=8 m=55
